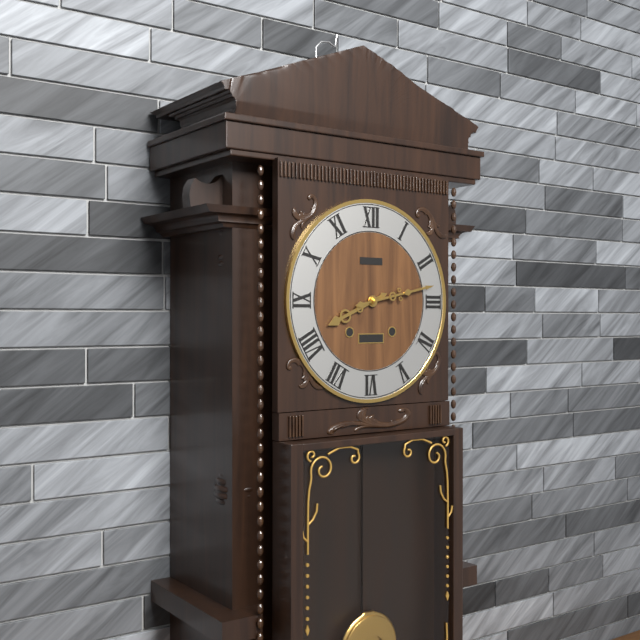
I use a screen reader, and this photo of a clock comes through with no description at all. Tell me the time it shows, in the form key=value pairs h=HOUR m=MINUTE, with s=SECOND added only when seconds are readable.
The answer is h=8 m=13
